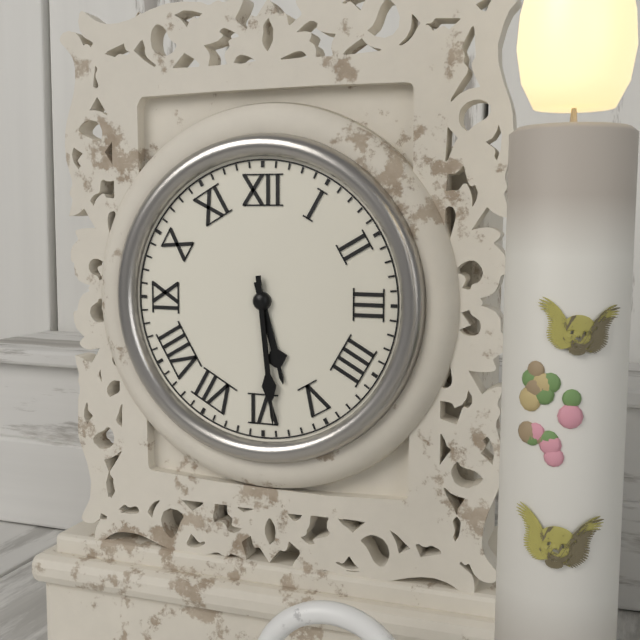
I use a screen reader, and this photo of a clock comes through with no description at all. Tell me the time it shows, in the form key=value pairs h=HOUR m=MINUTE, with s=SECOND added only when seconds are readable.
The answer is h=5 m=29
